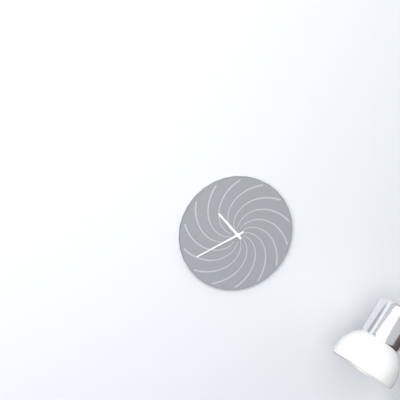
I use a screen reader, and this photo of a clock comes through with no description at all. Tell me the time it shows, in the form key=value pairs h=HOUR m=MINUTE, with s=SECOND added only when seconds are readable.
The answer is h=10 m=41
